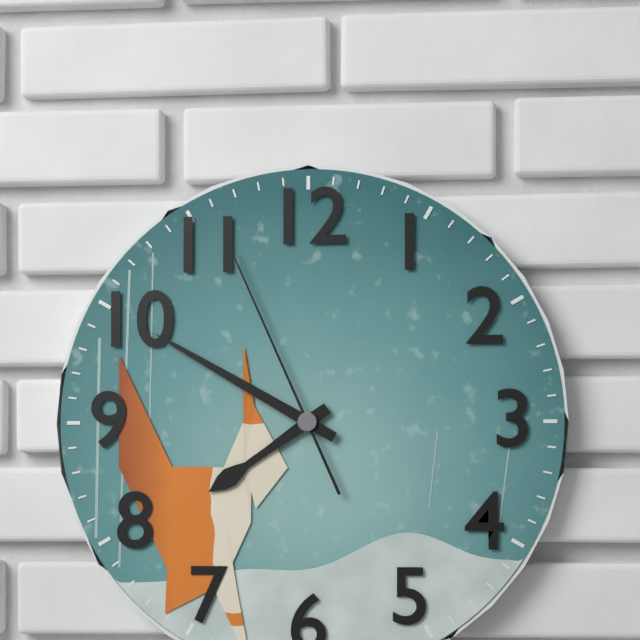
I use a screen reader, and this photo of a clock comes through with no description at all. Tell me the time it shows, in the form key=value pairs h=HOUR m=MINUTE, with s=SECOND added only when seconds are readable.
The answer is h=7 m=50 s=56
